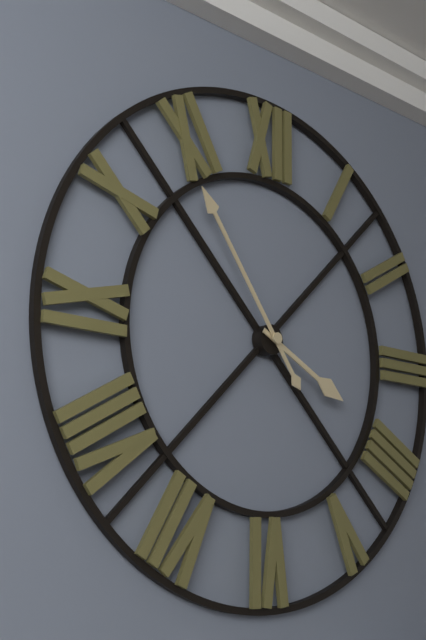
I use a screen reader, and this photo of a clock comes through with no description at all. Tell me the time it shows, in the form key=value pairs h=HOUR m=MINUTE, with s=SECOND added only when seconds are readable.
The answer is h=3 m=54
